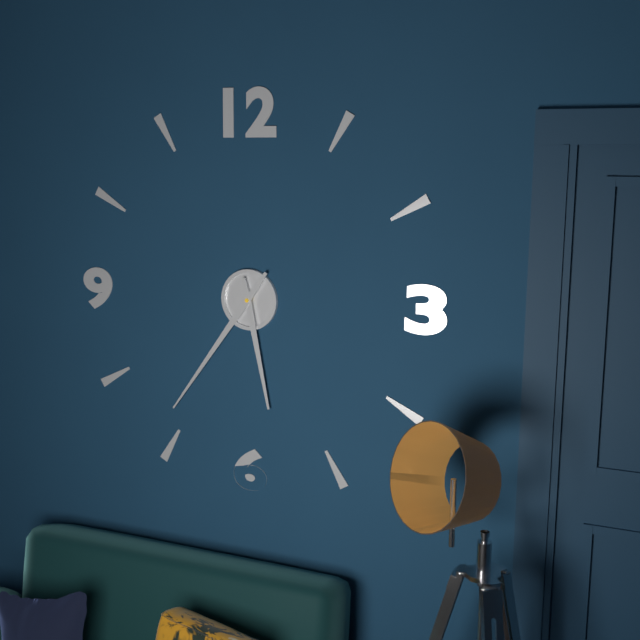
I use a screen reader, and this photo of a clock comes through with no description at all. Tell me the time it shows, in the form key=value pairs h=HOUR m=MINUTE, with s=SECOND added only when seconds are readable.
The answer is h=5 m=36
